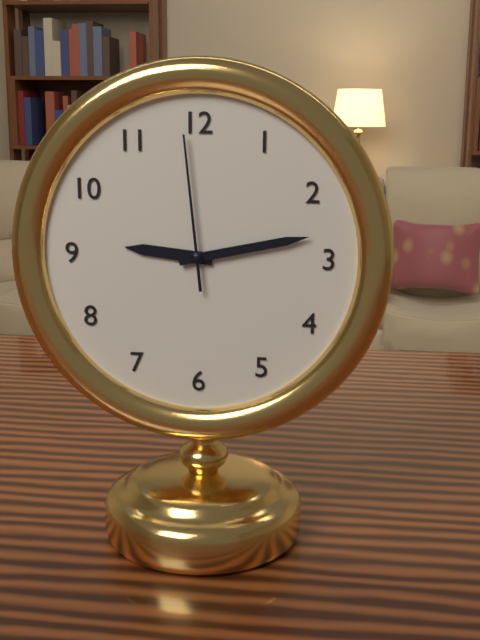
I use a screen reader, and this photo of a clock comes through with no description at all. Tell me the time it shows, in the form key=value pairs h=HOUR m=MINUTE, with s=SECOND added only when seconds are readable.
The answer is h=9 m=13 s=59
